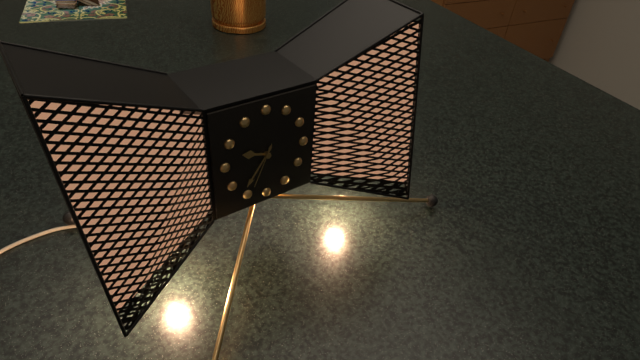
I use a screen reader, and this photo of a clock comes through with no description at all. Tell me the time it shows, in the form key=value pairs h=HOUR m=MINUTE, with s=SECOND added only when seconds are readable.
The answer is h=9 m=36
